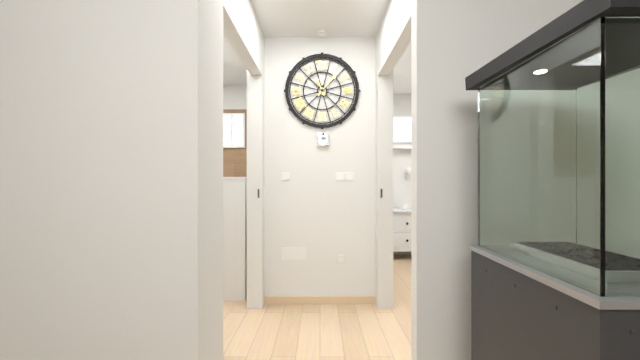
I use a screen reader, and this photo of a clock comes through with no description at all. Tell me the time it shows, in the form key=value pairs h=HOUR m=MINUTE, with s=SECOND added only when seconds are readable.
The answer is h=11 m=7
